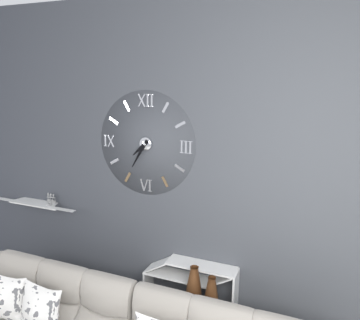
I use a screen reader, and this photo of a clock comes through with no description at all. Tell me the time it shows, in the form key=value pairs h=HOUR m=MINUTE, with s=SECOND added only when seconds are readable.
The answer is h=7 m=35
